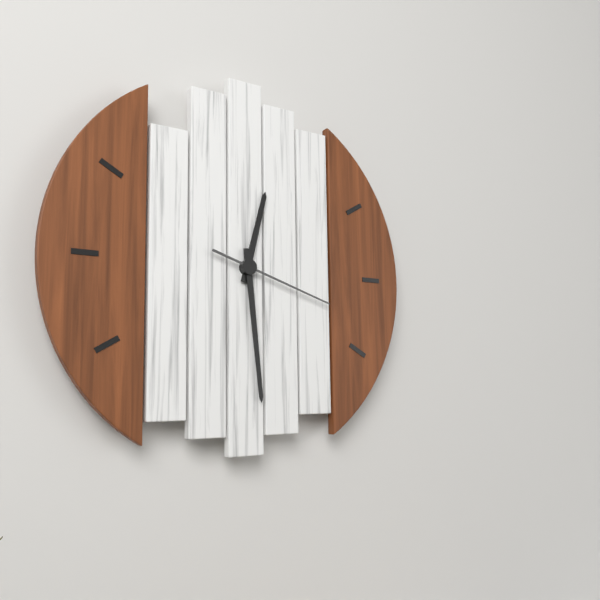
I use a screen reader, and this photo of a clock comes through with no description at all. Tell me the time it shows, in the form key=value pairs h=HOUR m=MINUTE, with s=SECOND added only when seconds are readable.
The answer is h=12 m=29 s=18
